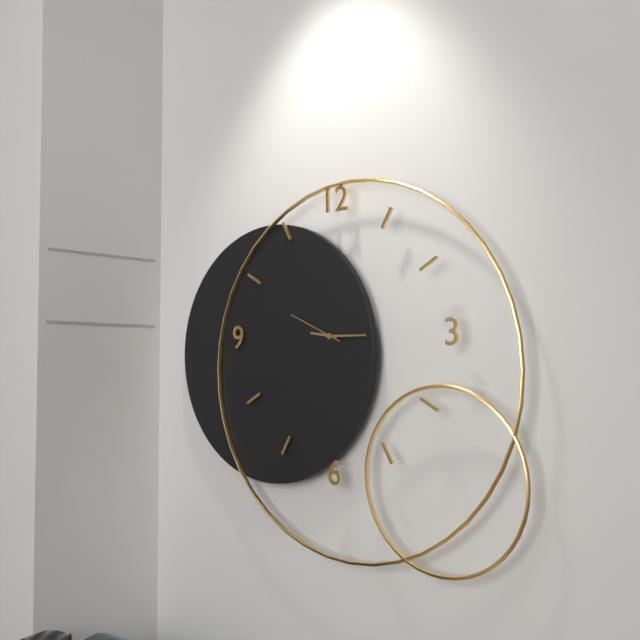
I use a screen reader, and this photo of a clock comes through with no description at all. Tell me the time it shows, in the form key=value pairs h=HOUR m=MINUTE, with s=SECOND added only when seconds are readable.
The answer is h=9 m=15 s=49
